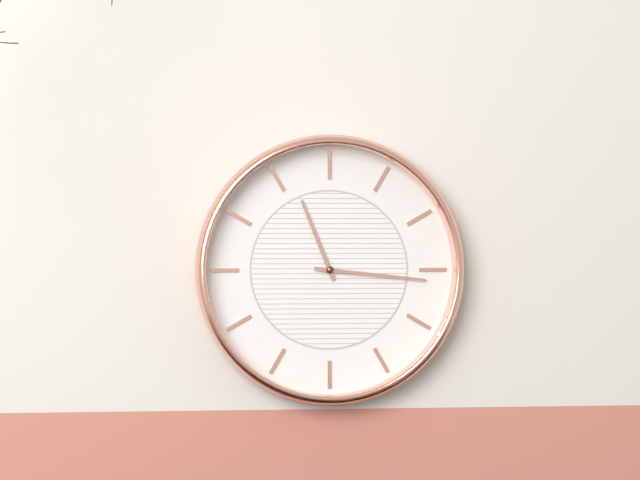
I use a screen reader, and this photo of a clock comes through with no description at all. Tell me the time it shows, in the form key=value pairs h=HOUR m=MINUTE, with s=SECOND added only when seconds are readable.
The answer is h=11 m=16
